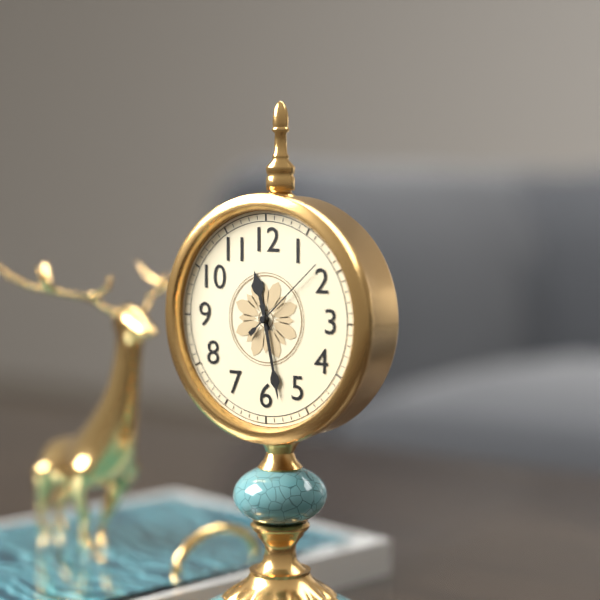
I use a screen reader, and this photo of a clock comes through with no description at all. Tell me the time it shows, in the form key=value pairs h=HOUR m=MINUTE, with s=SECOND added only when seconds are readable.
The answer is h=11 m=28 s=8
